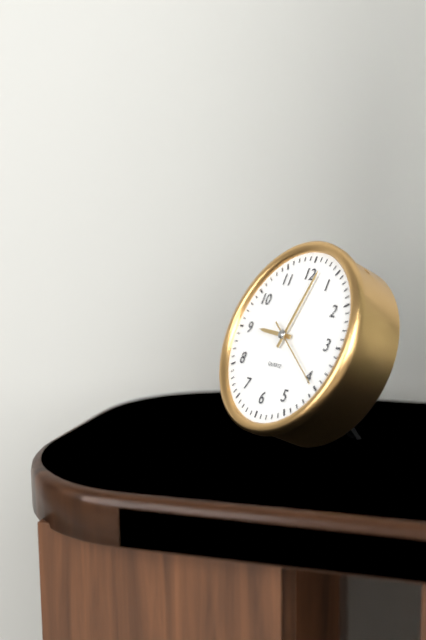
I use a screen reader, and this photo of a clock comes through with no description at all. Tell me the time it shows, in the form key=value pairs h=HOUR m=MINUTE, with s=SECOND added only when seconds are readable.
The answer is h=9 m=2 s=20
